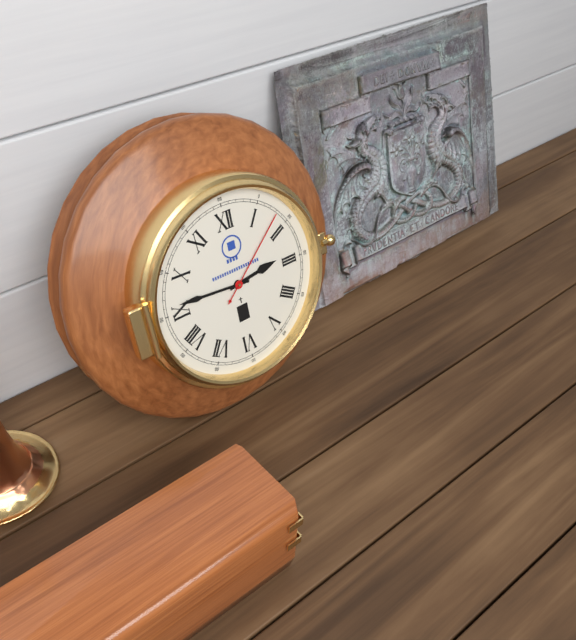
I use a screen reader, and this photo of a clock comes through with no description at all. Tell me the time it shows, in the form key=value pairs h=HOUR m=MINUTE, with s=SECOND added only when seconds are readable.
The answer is h=2 m=46 s=8
